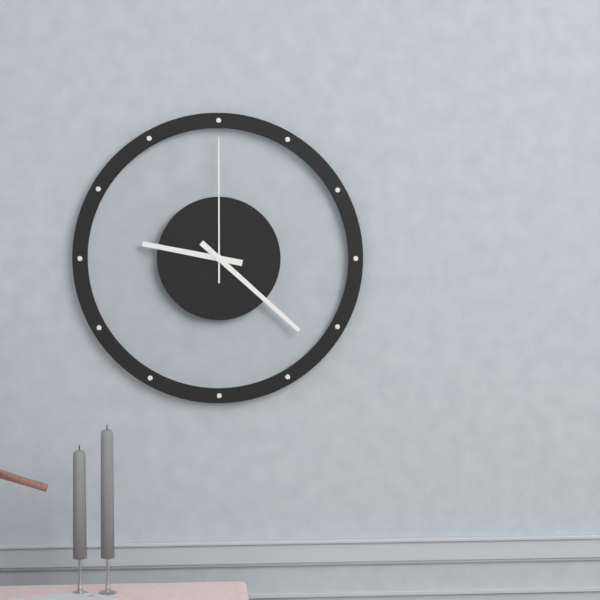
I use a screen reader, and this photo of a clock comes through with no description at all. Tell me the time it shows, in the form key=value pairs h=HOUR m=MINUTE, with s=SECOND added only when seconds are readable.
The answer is h=9 m=22 s=0
